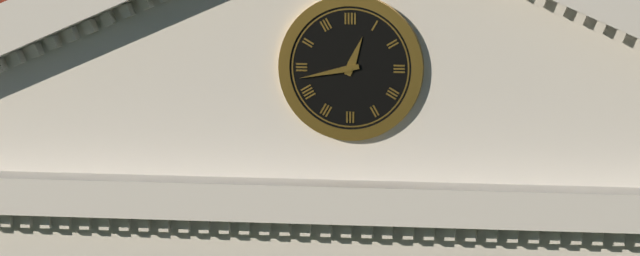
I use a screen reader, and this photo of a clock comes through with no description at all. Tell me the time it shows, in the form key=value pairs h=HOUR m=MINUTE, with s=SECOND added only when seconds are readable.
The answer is h=12 m=43
